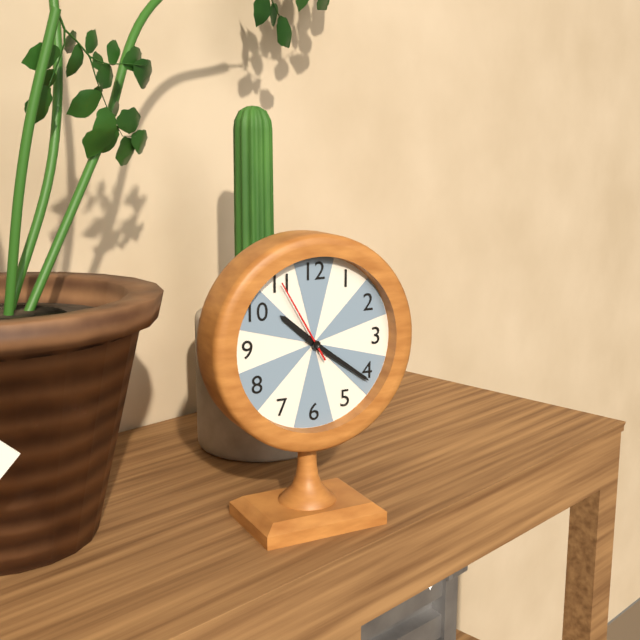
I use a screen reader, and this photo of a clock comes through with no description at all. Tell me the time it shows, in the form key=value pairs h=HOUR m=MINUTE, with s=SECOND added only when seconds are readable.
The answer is h=10 m=21 s=55
